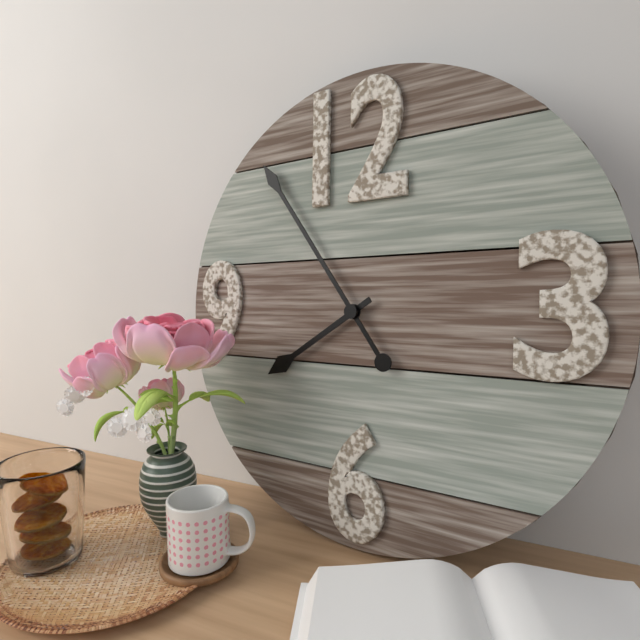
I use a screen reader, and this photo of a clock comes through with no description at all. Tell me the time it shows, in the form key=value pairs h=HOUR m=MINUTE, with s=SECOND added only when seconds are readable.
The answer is h=7 m=54
